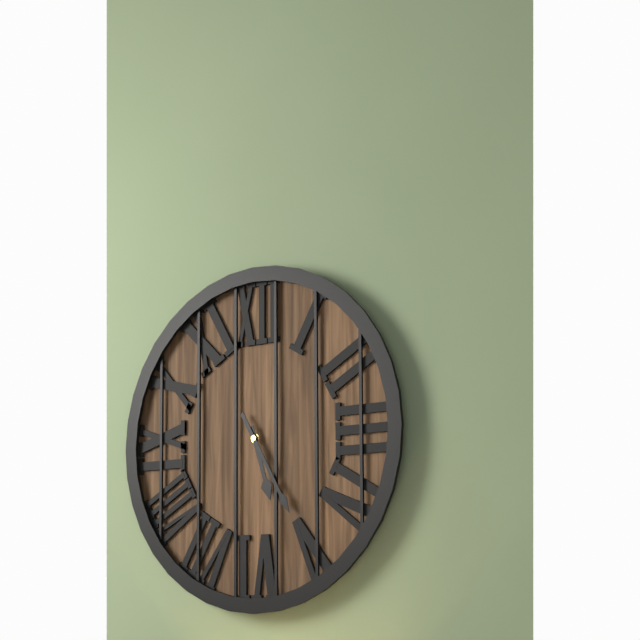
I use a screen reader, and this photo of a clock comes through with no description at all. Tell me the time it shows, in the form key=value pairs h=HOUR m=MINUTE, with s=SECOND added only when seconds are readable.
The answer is h=5 m=25
